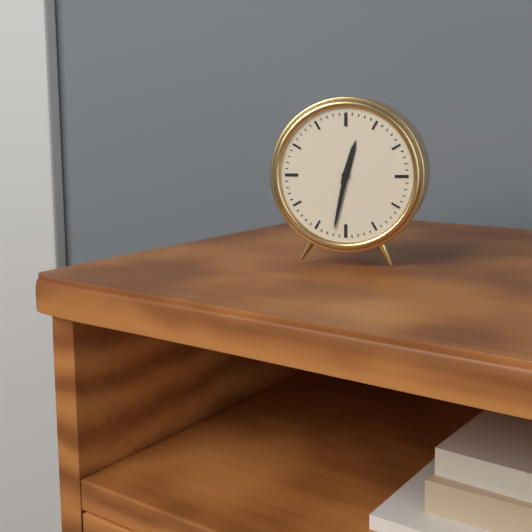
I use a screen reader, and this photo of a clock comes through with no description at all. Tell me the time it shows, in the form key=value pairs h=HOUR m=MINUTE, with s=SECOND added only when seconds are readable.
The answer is h=12 m=32
